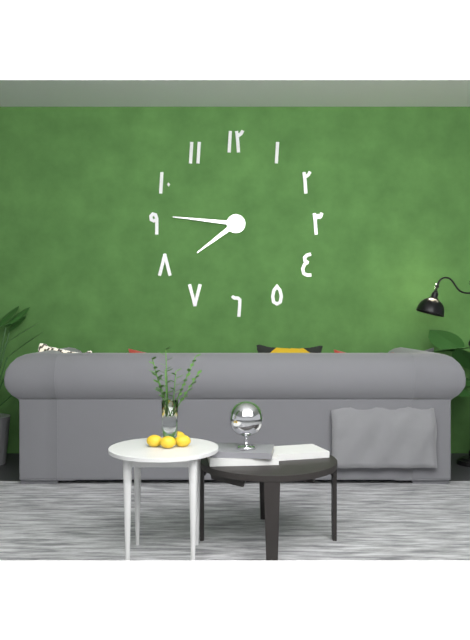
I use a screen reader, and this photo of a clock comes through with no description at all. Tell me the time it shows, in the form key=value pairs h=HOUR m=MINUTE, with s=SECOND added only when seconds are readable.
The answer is h=7 m=46
